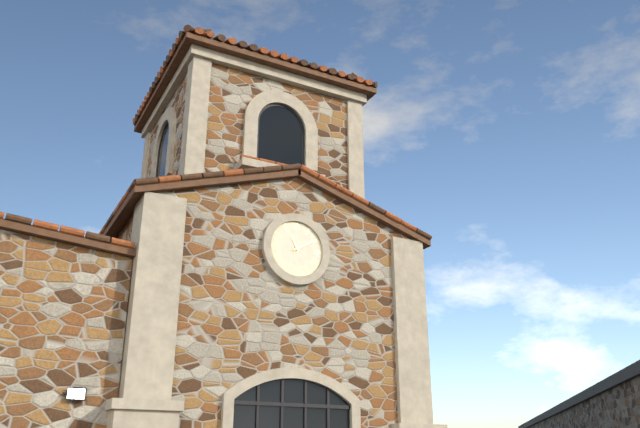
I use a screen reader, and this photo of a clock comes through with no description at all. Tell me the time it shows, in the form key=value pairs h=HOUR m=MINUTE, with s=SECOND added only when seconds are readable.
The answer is h=11 m=10
